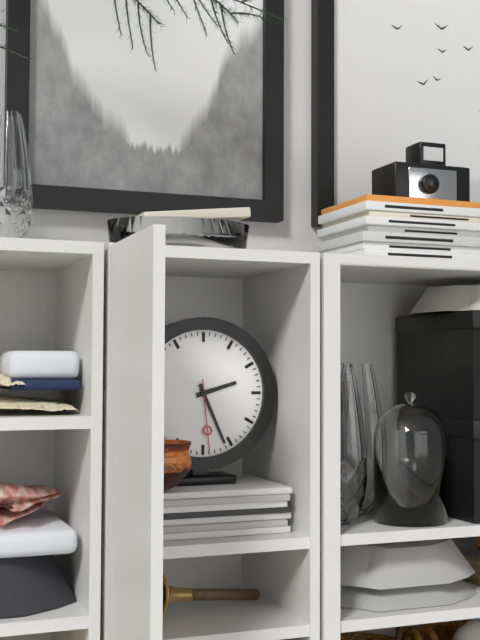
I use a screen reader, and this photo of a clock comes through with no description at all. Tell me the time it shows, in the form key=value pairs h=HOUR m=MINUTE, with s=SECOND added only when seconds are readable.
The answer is h=2 m=26 s=29
